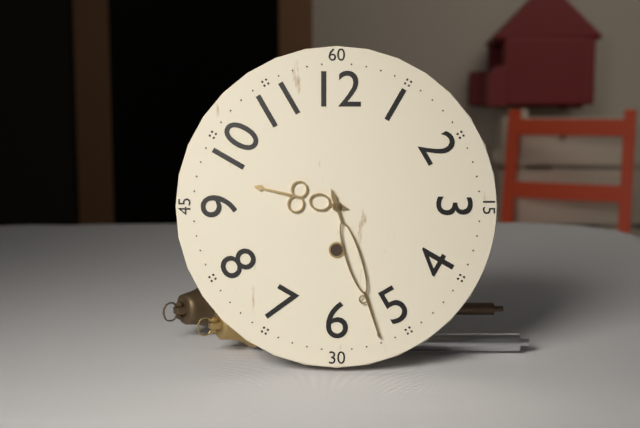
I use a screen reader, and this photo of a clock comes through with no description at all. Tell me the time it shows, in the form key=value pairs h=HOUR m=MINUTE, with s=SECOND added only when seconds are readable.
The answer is h=9 m=27
